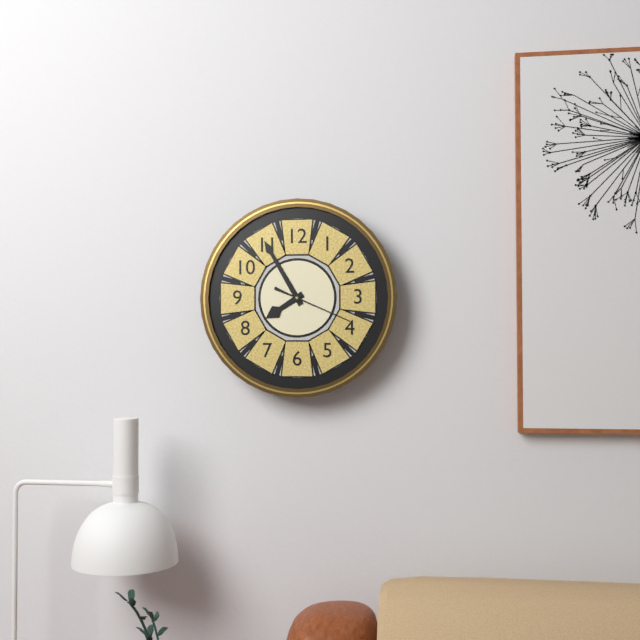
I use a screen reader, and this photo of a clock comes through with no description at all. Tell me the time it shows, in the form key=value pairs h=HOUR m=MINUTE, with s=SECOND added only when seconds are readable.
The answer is h=7 m=55 s=19
